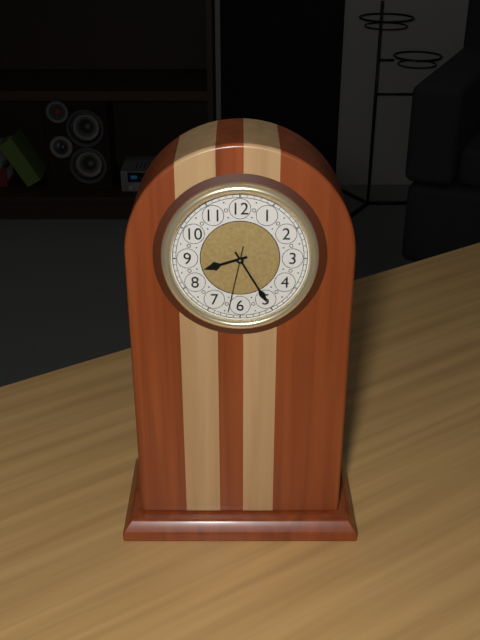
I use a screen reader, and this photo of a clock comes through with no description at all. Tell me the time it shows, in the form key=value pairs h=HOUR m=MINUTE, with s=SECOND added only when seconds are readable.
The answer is h=8 m=25 s=32
